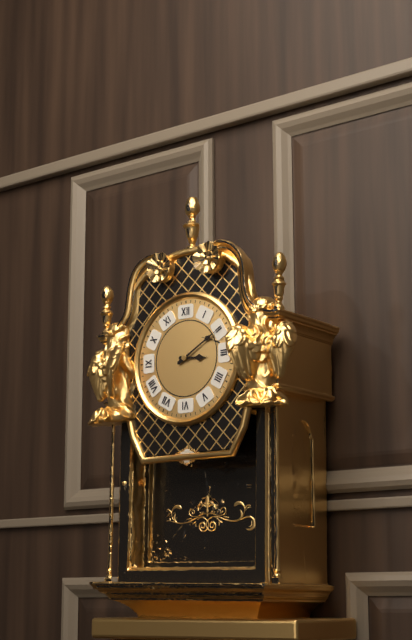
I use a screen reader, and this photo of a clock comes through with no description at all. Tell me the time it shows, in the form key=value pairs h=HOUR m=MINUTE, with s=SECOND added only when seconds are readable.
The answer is h=3 m=10
